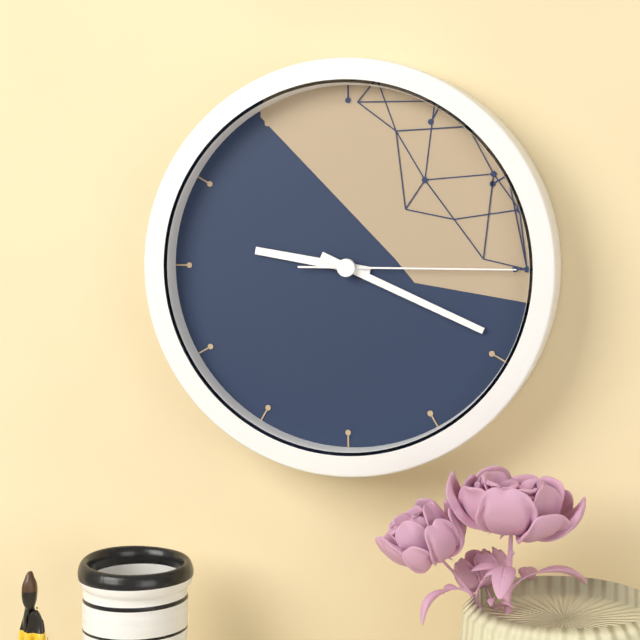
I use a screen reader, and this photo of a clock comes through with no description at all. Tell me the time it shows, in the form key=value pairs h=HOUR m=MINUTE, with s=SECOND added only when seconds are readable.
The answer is h=9 m=19 s=15
